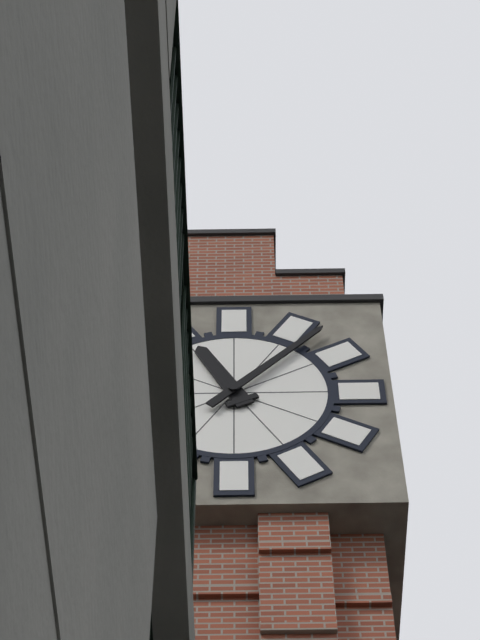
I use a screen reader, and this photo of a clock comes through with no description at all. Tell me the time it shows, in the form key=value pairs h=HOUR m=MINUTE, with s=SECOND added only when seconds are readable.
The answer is h=11 m=7
